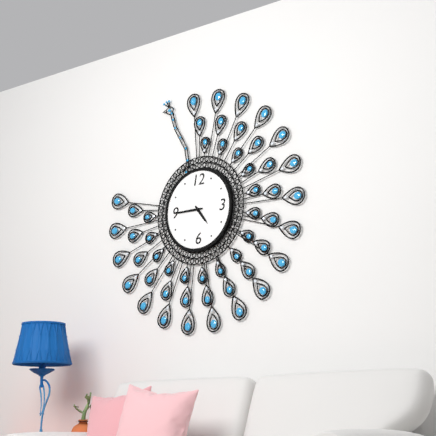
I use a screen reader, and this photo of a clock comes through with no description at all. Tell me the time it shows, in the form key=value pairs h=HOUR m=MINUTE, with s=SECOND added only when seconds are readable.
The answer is h=4 m=45
